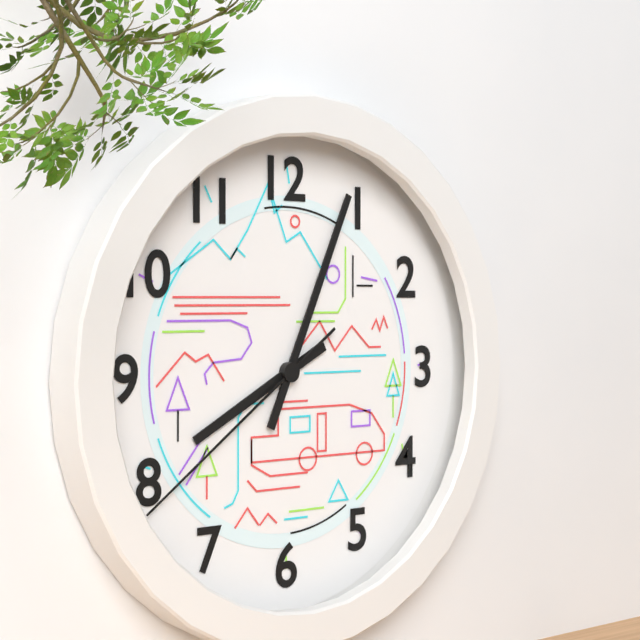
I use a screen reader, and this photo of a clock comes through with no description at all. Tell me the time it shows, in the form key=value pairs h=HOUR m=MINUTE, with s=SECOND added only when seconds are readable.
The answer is h=8 m=4 s=39
